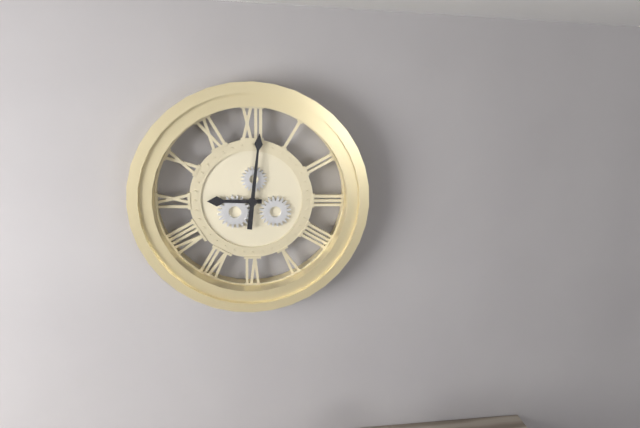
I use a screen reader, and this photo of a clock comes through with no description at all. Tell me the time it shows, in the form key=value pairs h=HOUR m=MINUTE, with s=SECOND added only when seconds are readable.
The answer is h=9 m=1
